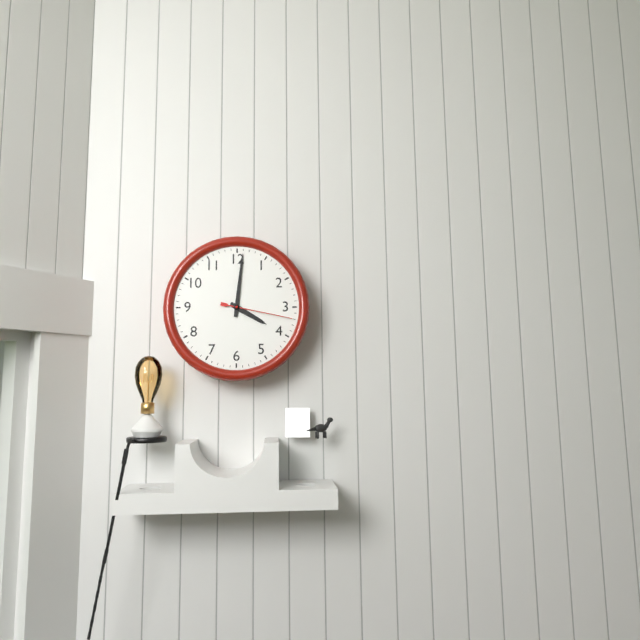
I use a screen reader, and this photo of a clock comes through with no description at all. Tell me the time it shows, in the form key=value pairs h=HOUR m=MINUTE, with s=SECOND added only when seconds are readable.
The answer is h=4 m=1 s=17
